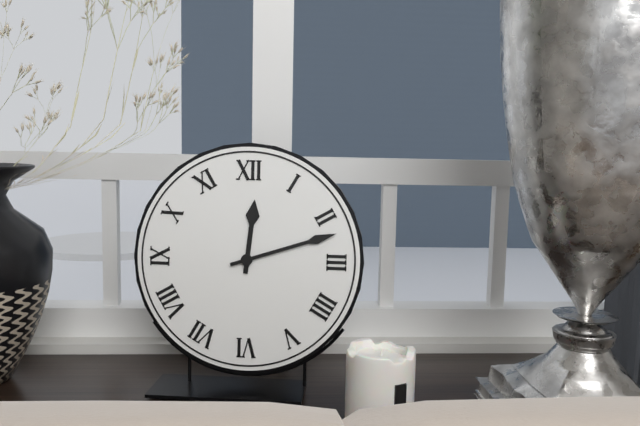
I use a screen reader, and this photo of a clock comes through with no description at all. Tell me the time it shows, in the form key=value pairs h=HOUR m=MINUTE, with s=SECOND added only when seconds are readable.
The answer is h=12 m=12
